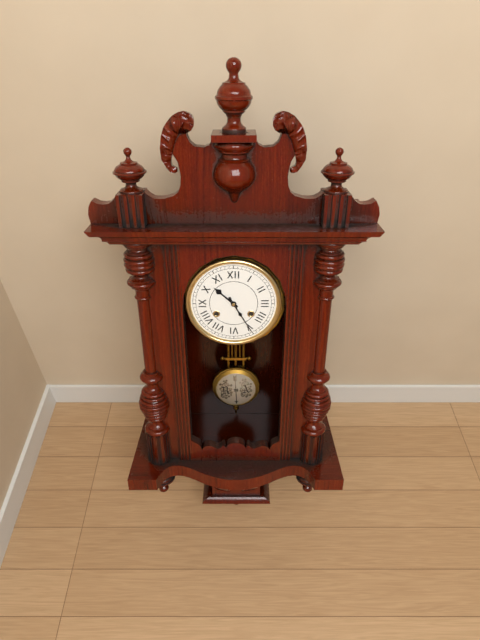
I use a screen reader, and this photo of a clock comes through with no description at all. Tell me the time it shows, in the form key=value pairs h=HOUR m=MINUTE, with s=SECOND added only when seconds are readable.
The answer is h=10 m=25
